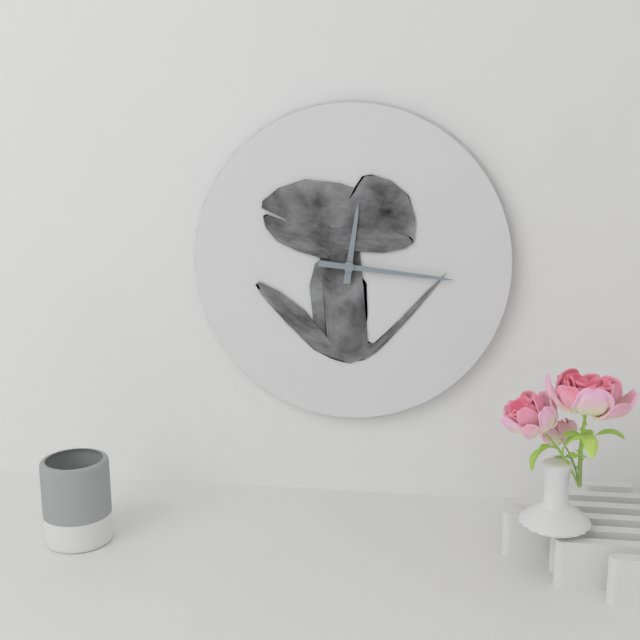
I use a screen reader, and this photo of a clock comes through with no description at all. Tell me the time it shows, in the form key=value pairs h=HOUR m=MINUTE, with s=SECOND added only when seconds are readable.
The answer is h=12 m=16
